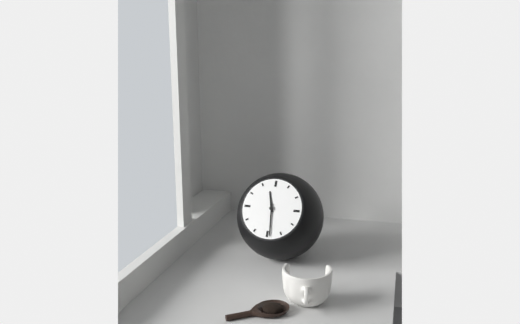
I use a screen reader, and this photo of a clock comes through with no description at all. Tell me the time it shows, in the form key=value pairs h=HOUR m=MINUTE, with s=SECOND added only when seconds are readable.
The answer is h=11 m=29
